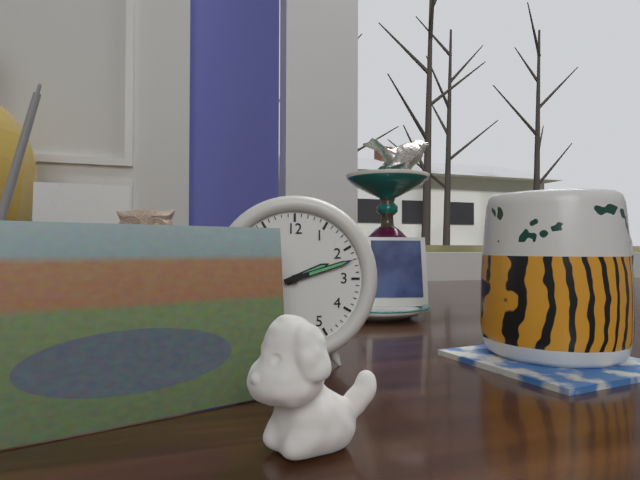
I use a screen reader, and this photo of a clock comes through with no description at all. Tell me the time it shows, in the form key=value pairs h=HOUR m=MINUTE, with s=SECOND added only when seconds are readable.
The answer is h=2 m=12
